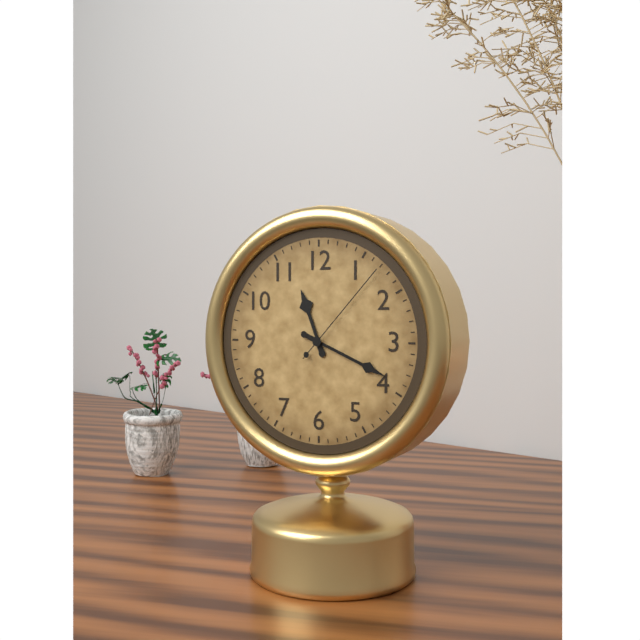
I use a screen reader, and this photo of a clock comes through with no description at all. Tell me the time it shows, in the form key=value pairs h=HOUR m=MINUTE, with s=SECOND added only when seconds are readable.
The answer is h=11 m=19 s=7
